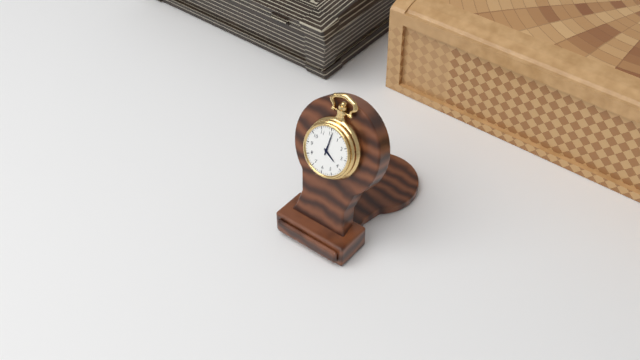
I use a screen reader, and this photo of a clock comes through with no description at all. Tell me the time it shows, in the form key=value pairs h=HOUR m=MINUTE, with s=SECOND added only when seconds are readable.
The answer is h=4 m=1
